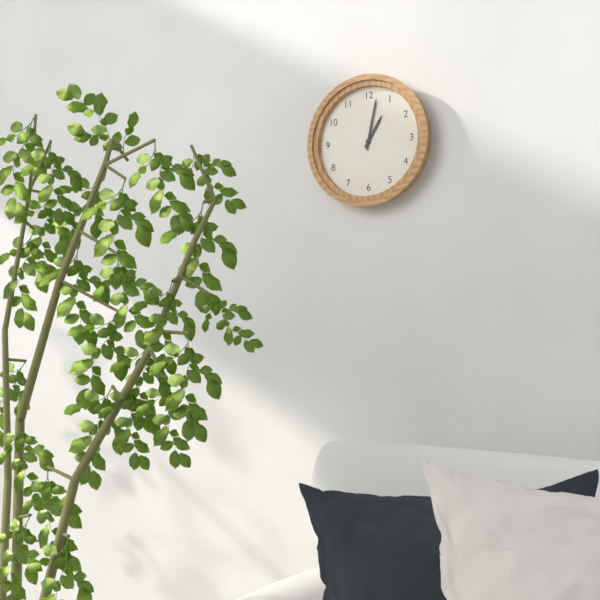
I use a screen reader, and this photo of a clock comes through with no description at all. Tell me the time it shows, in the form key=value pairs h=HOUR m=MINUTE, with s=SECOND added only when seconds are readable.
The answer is h=1 m=2
